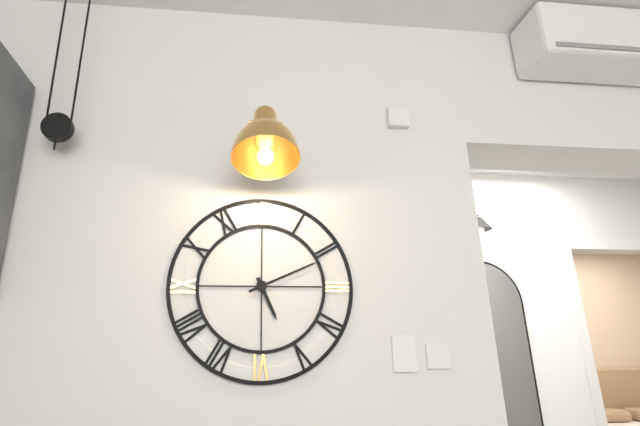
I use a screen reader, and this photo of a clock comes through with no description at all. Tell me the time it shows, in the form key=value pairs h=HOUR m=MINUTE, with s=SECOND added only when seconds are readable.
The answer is h=5 m=11
